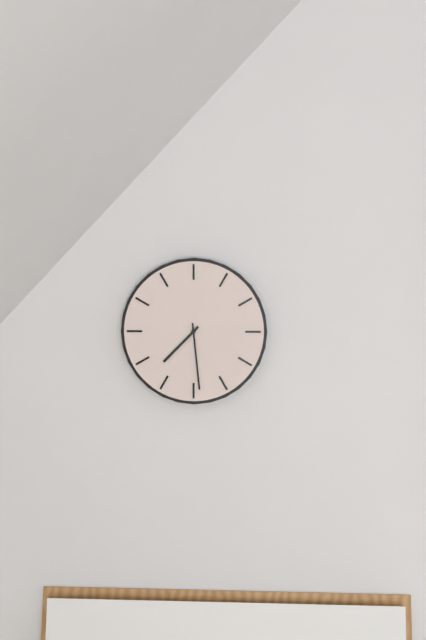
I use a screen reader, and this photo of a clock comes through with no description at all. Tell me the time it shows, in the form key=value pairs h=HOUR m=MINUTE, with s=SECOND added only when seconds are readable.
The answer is h=7 m=29
